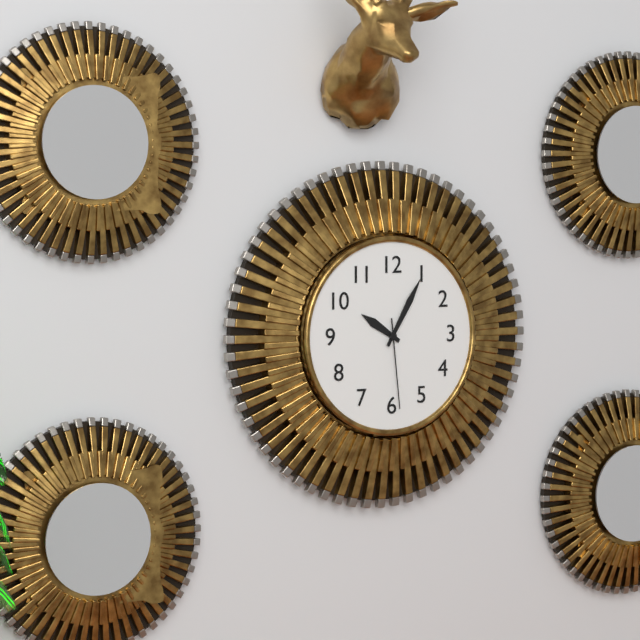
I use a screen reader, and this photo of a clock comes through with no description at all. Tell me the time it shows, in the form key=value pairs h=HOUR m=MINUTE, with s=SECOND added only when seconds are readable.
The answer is h=10 m=5 s=29
